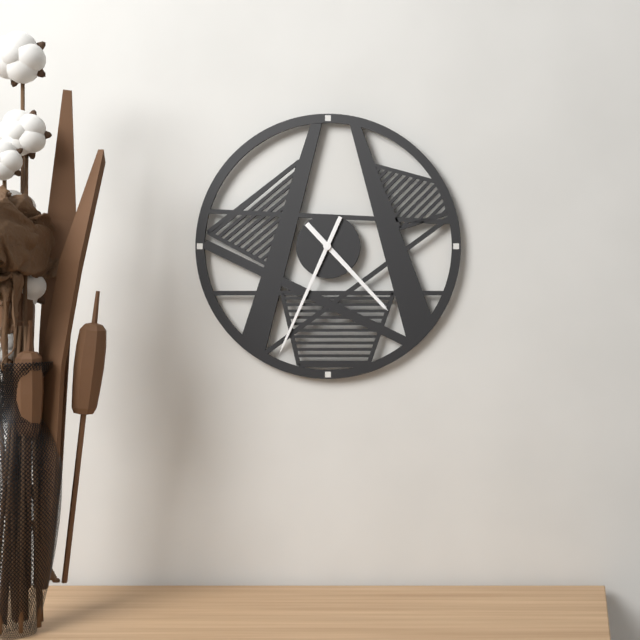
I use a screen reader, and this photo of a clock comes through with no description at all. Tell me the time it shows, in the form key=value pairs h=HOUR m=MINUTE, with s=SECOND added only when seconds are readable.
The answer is h=4 m=34
